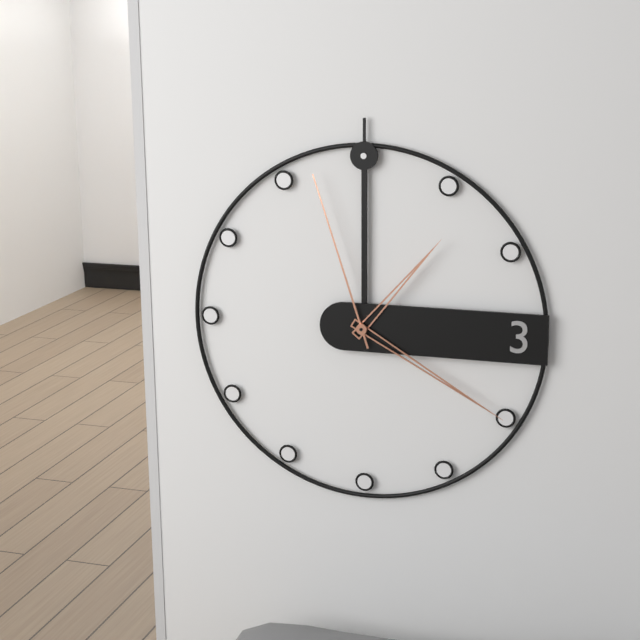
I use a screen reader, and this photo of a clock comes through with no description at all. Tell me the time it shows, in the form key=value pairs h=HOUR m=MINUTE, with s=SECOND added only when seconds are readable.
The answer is h=1 m=20 s=57
